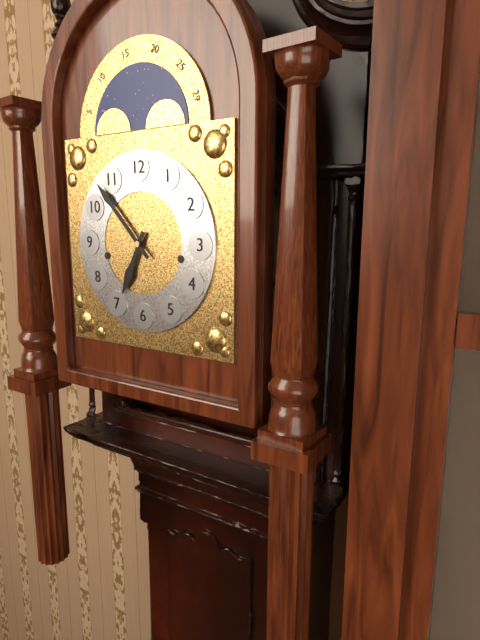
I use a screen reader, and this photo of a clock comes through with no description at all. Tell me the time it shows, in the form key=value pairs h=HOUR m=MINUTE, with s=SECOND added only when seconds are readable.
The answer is h=6 m=53
